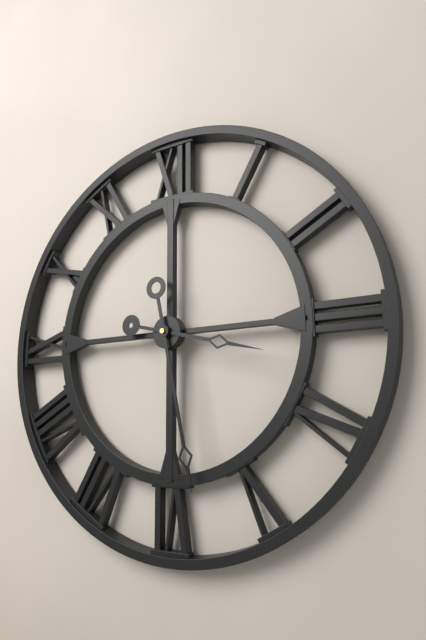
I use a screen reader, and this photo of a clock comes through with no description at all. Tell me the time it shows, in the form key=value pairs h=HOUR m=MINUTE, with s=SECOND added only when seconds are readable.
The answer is h=3 m=28
